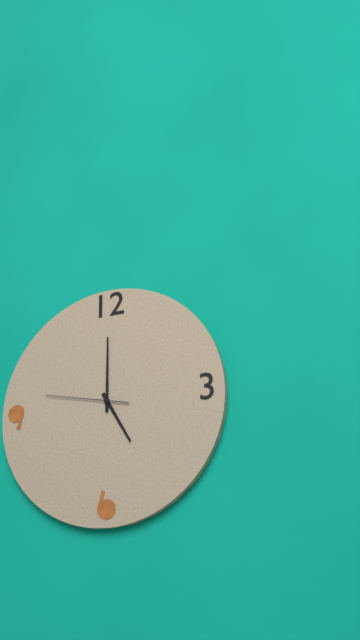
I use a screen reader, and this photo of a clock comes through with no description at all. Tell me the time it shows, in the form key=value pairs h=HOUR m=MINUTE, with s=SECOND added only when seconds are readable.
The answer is h=5 m=0 s=47
